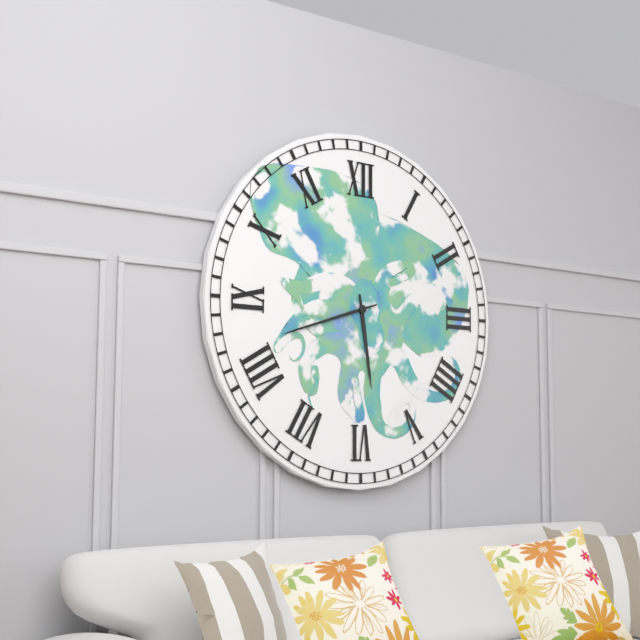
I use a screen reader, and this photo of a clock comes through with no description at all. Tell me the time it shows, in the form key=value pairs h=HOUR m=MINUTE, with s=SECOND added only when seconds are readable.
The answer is h=5 m=42
